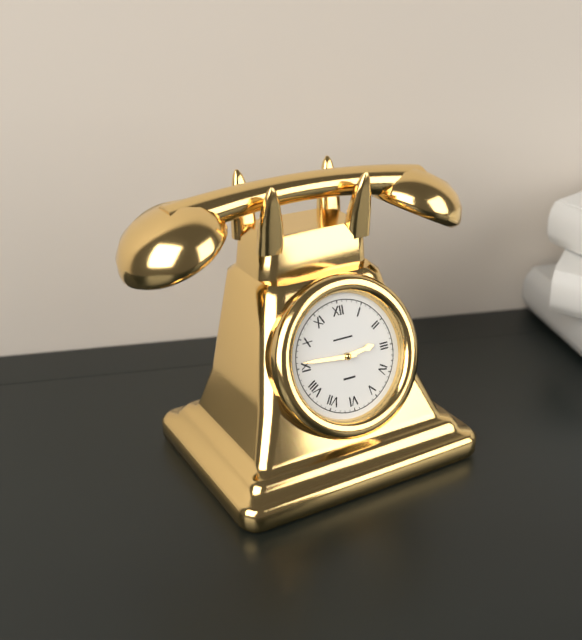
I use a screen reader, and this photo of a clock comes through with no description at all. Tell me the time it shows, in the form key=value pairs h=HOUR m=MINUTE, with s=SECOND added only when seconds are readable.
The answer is h=2 m=46
